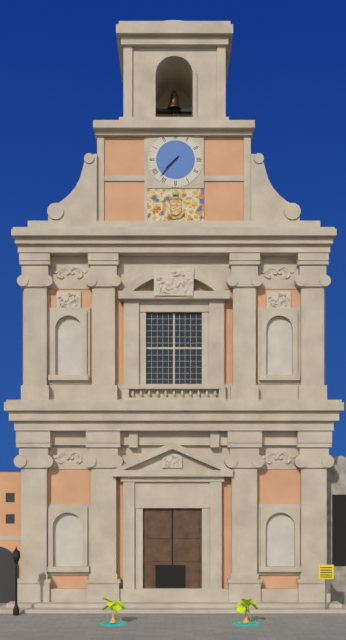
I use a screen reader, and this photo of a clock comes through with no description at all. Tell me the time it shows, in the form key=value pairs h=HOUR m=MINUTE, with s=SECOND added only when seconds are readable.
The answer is h=7 m=37
